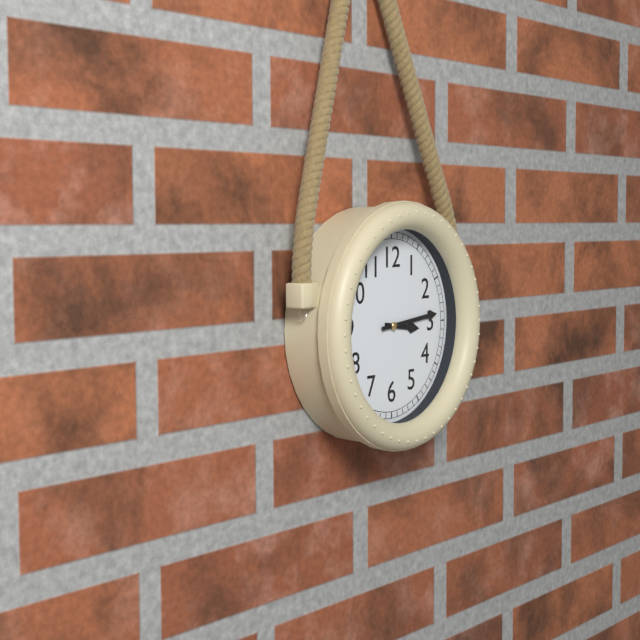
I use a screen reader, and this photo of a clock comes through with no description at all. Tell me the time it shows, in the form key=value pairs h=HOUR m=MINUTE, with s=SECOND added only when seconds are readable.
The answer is h=3 m=14
